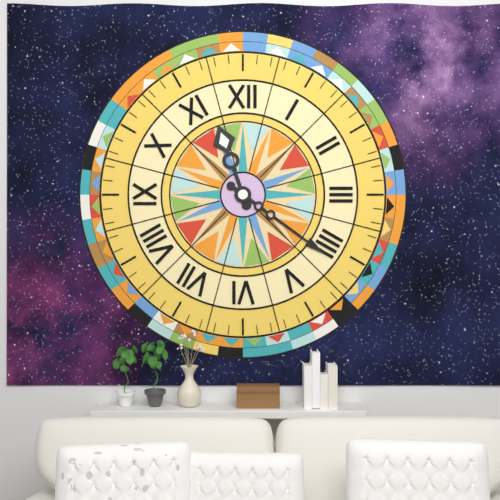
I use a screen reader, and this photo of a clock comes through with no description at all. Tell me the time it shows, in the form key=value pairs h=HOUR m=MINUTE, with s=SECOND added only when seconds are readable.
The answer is h=11 m=21
